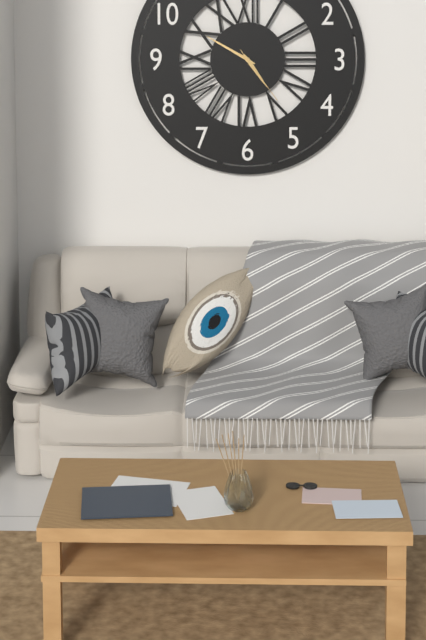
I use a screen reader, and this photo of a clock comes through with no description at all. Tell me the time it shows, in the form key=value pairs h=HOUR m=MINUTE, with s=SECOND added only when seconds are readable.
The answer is h=4 m=50 s=24
